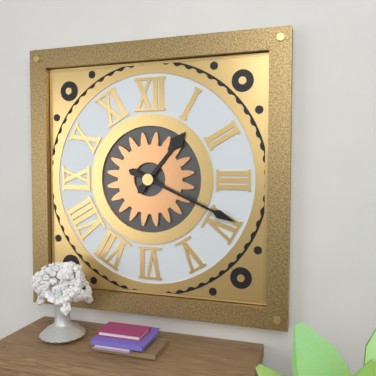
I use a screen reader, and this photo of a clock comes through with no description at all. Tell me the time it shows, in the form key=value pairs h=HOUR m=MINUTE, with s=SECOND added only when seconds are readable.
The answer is h=1 m=19
